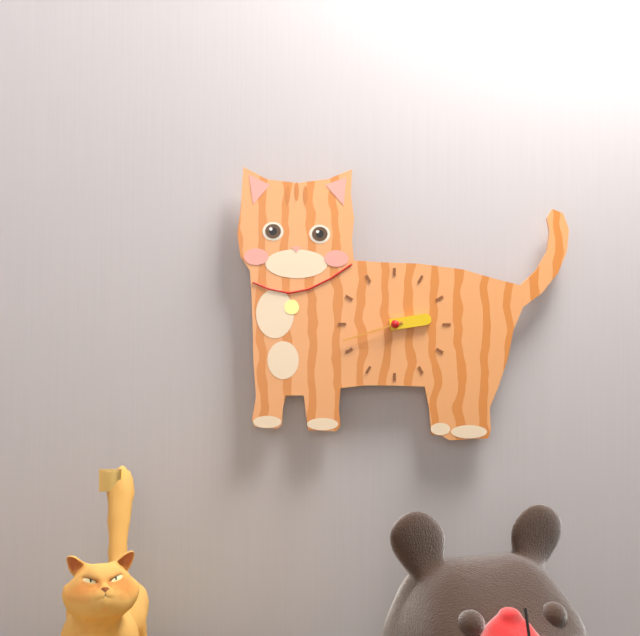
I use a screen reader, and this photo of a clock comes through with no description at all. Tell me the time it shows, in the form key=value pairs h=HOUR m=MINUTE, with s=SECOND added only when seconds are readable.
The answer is h=2 m=42
